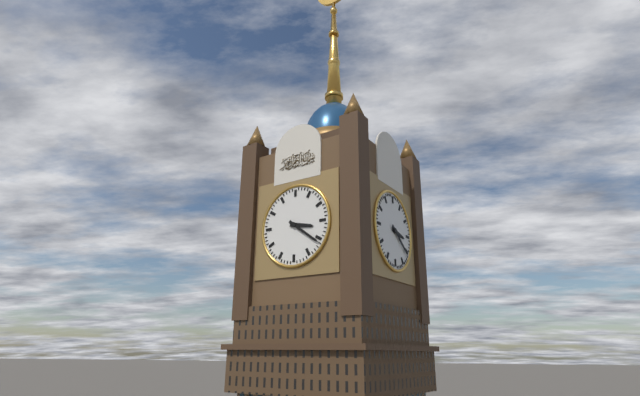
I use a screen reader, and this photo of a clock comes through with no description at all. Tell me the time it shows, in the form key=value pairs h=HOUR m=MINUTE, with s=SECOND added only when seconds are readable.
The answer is h=3 m=21
